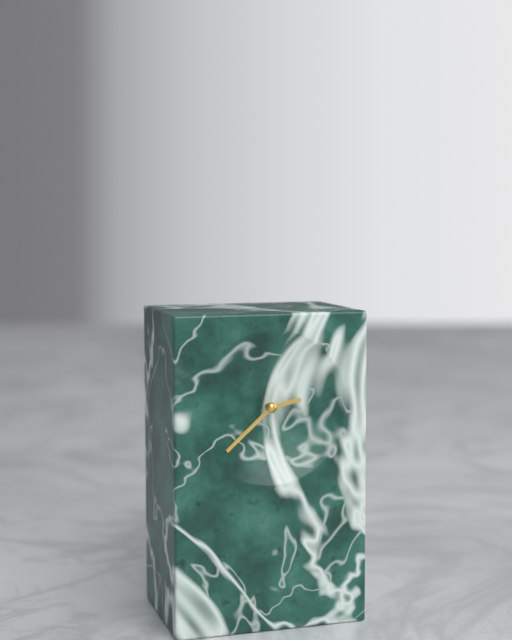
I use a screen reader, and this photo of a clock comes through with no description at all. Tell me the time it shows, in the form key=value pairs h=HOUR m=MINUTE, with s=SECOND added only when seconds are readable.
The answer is h=2 m=38
